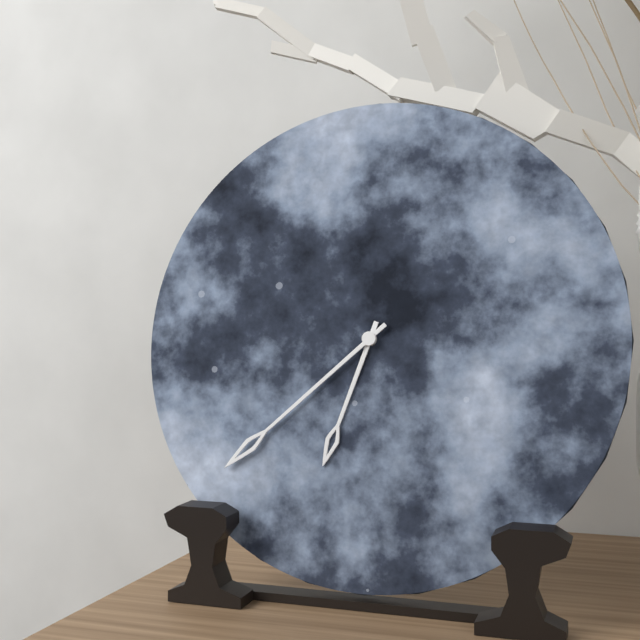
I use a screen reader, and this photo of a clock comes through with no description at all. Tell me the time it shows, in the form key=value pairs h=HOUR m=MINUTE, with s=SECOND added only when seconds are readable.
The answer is h=6 m=38
